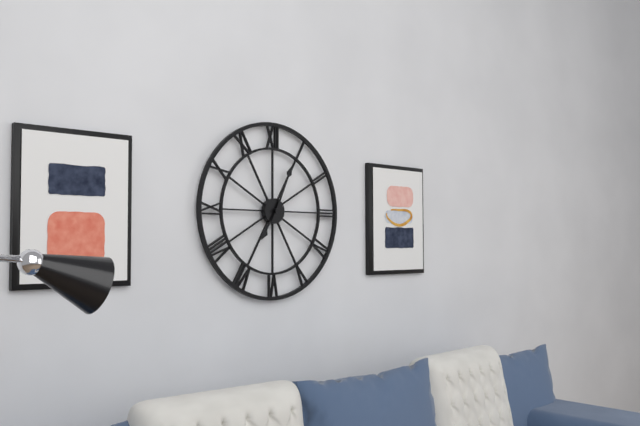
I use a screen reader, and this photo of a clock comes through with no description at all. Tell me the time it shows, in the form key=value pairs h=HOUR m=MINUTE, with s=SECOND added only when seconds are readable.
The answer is h=7 m=4
